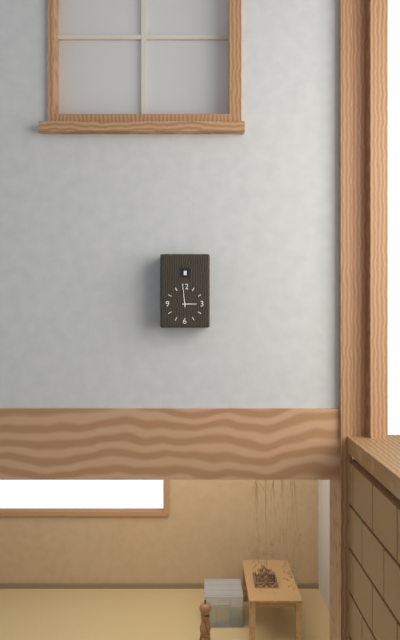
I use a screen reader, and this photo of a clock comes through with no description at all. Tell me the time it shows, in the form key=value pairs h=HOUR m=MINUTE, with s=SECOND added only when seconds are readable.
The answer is h=2 m=59
